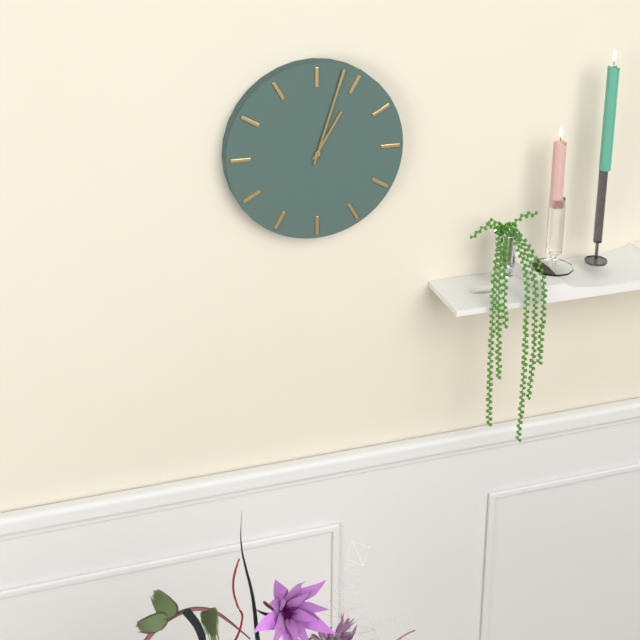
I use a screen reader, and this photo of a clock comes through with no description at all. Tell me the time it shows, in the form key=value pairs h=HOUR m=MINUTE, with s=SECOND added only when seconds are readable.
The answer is h=1 m=3
